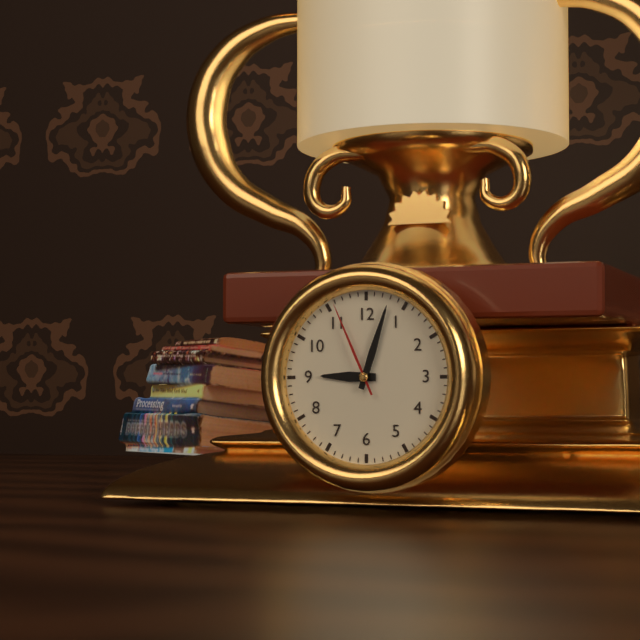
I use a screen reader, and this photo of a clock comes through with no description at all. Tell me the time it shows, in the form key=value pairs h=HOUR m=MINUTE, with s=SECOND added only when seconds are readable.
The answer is h=9 m=3 s=56
